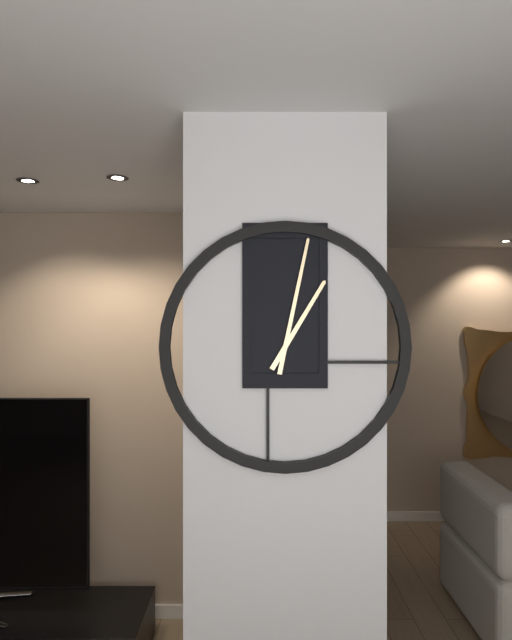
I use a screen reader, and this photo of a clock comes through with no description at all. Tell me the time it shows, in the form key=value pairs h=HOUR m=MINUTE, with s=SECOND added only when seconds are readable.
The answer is h=1 m=2
